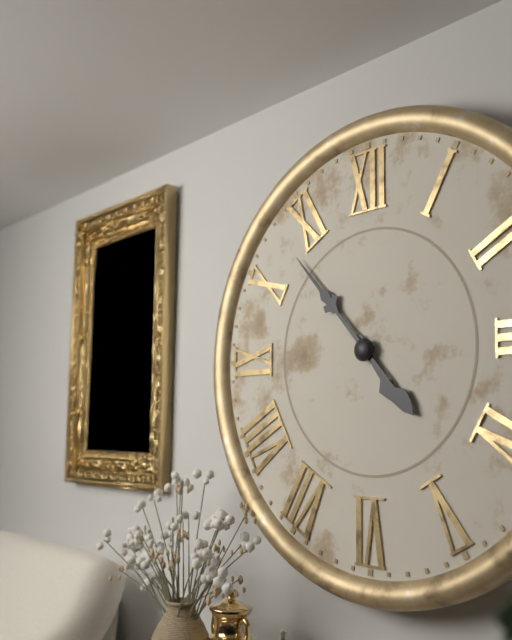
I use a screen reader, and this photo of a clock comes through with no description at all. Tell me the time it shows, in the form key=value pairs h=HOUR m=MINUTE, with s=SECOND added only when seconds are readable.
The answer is h=4 m=53
